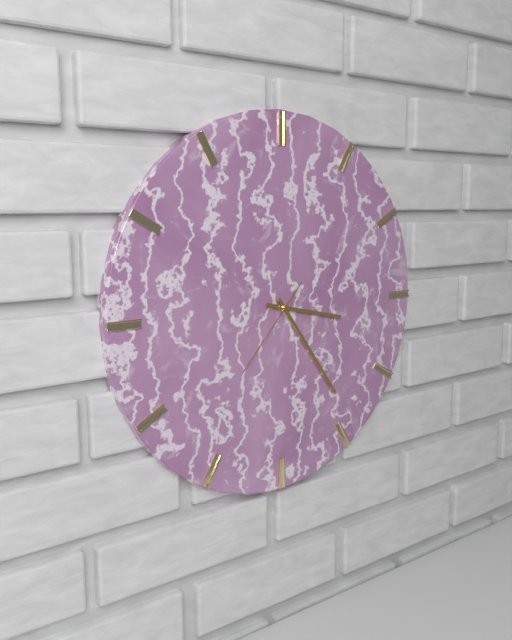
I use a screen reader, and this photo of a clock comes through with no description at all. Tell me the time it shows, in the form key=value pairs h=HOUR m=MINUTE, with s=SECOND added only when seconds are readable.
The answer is h=3 m=24 s=37
